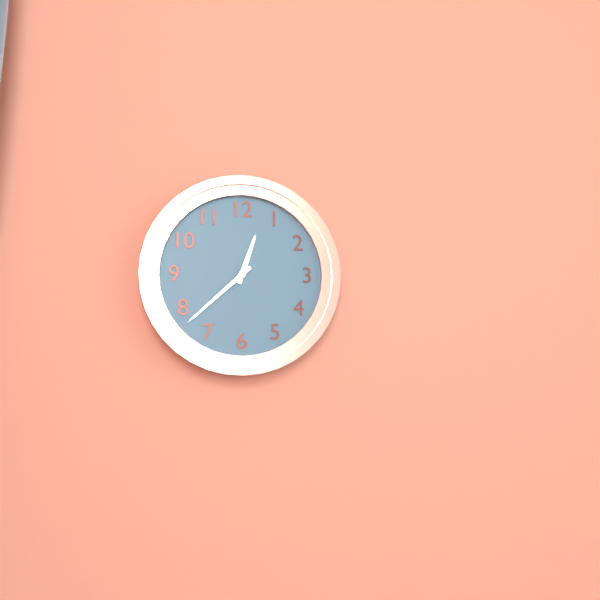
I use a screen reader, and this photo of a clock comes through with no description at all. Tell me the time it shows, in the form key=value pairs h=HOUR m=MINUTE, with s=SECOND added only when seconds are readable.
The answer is h=12 m=38
